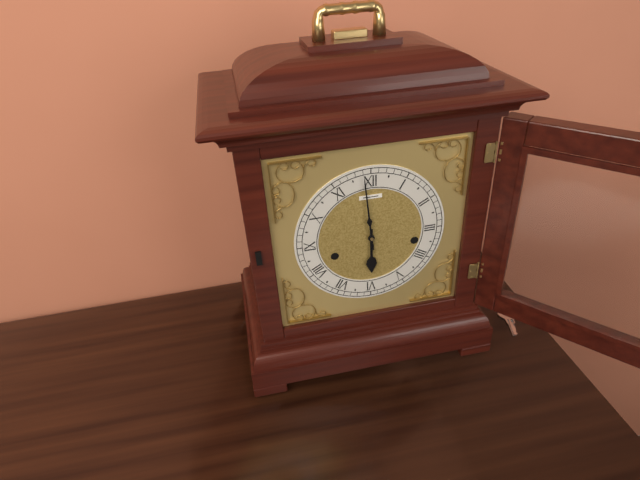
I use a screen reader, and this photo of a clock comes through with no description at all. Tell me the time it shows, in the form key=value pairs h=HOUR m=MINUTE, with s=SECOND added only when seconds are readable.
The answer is h=5 m=59
